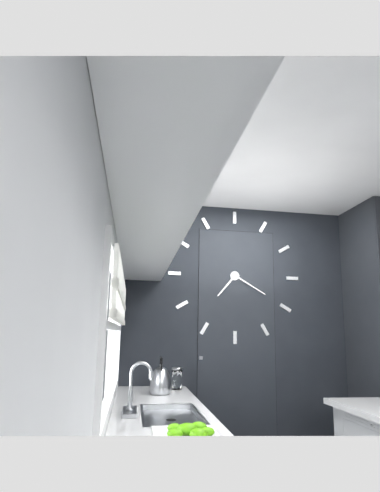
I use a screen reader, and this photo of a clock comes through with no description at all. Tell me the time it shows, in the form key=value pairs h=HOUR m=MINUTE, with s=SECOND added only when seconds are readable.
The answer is h=7 m=20
